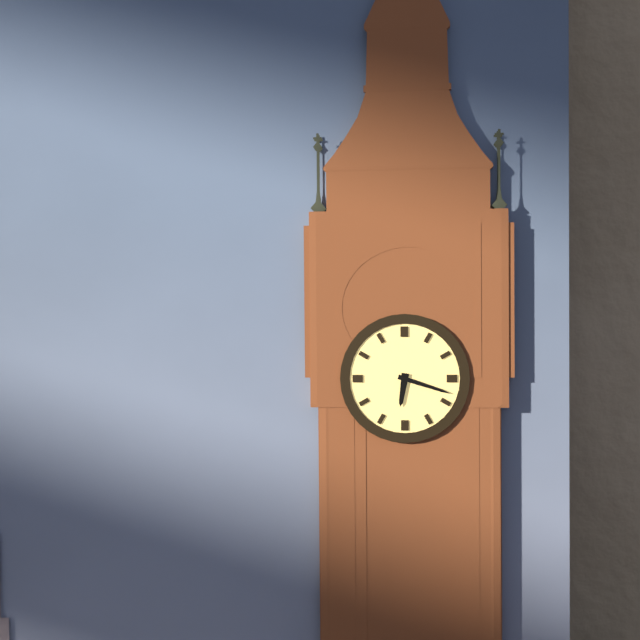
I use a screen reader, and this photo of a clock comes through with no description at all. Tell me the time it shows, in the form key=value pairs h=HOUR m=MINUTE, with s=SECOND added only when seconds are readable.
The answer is h=6 m=18
